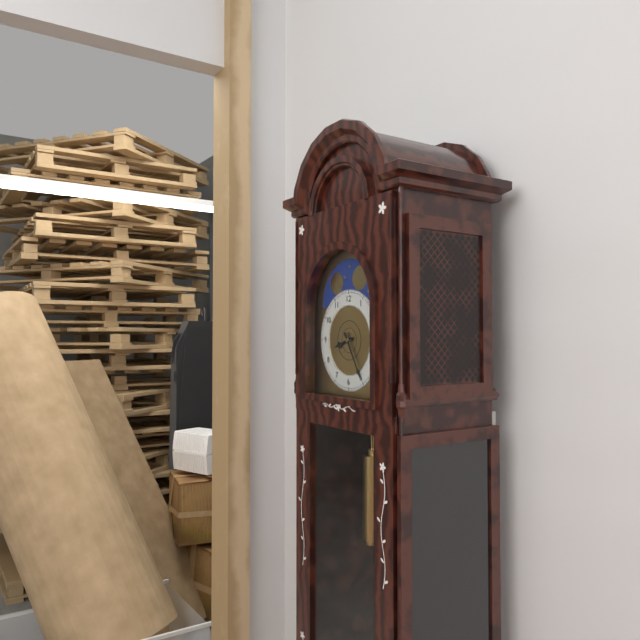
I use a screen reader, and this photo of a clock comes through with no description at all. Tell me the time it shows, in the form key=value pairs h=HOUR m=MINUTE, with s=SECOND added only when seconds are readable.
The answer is h=8 m=25
